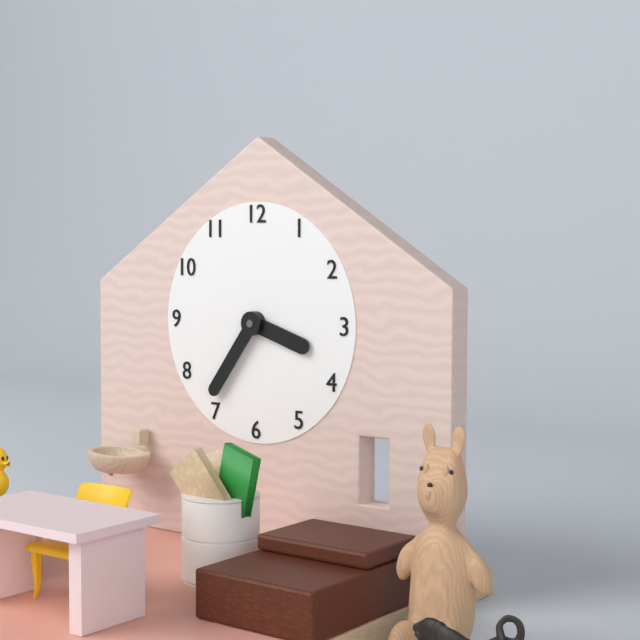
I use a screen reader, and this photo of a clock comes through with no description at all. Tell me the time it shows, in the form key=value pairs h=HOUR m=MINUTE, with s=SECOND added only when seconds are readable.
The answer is h=3 m=36
